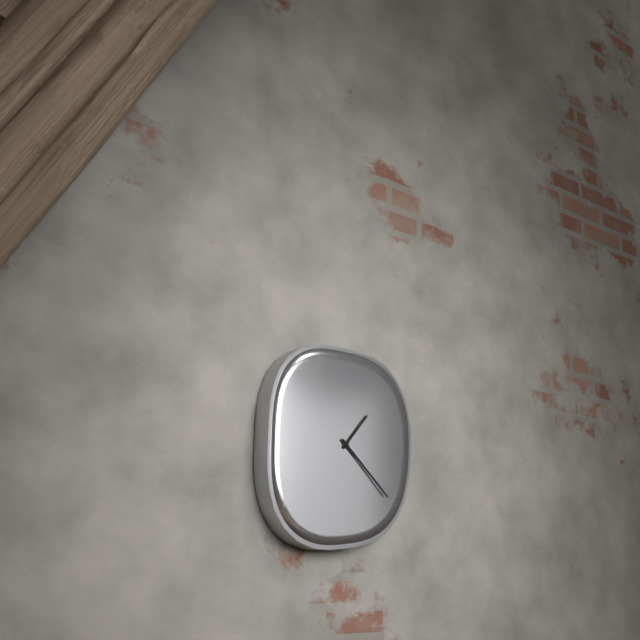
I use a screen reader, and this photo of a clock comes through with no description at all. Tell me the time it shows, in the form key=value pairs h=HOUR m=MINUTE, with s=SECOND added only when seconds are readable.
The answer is h=1 m=22
